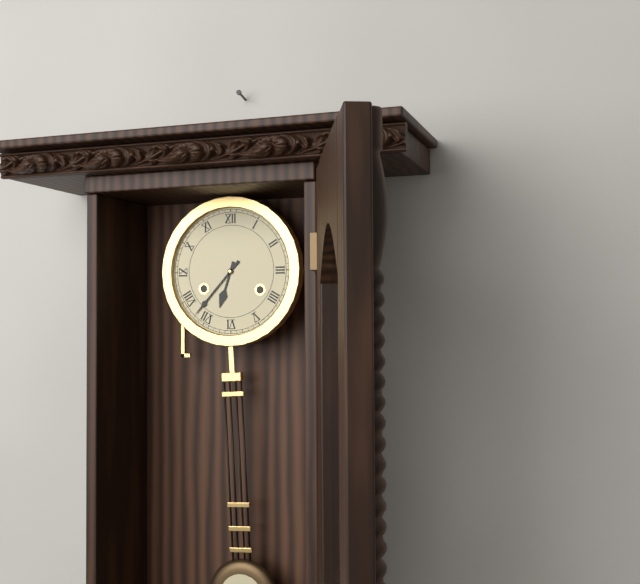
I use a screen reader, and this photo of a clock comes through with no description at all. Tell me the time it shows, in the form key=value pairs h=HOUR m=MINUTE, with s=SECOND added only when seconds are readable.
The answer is h=6 m=37
